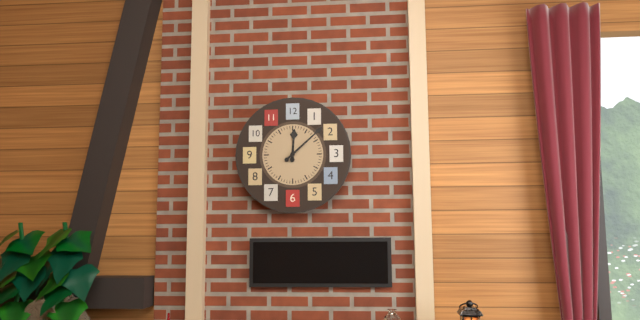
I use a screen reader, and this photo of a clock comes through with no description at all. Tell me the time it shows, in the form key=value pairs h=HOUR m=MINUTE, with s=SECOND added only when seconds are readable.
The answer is h=12 m=8
